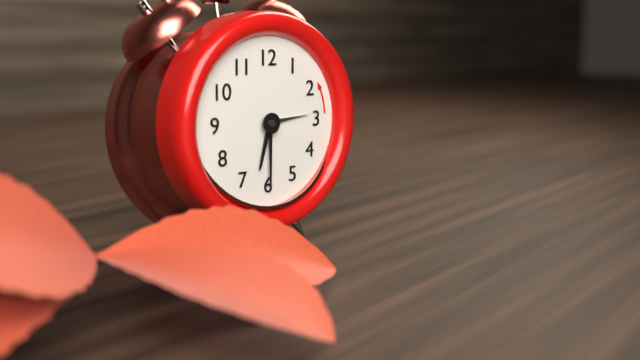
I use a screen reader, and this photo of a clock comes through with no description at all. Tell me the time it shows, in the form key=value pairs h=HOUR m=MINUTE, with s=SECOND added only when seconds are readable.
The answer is h=6 m=30 s=14
